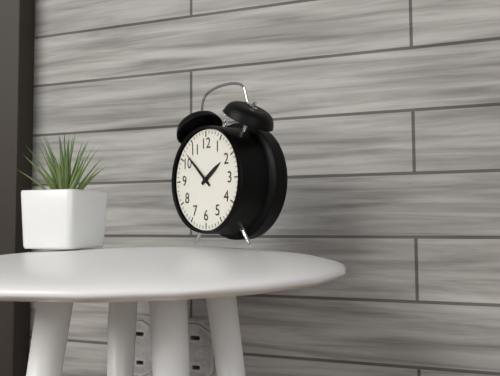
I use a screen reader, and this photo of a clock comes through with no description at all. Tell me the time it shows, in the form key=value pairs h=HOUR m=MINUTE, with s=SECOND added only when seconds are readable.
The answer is h=1 m=52
